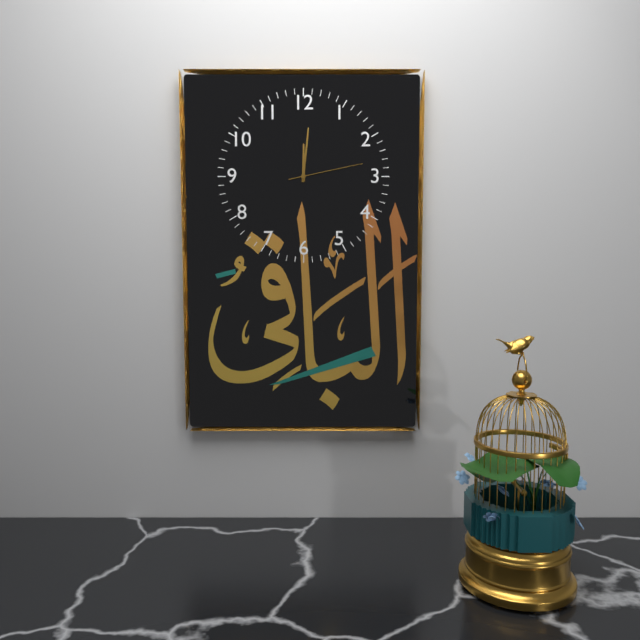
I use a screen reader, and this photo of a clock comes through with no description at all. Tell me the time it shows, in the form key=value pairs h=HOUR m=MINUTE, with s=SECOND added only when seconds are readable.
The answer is h=12 m=1 s=13
